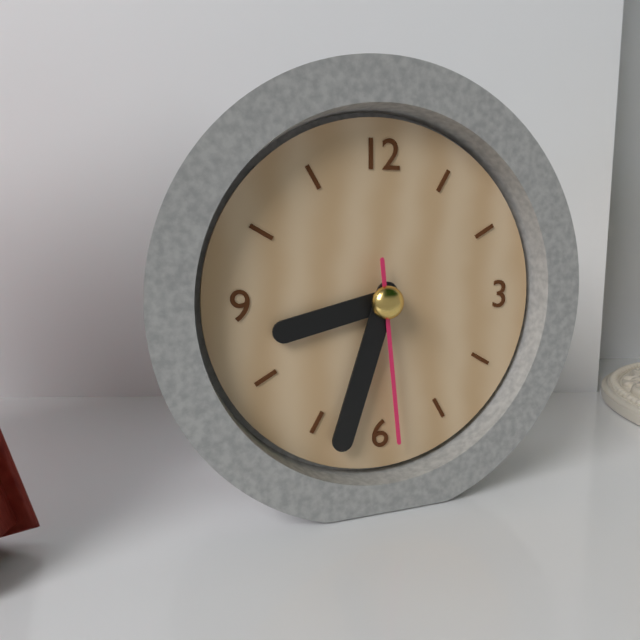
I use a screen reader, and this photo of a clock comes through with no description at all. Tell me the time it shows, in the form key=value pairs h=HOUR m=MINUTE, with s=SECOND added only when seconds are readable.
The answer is h=8 m=33 s=29
